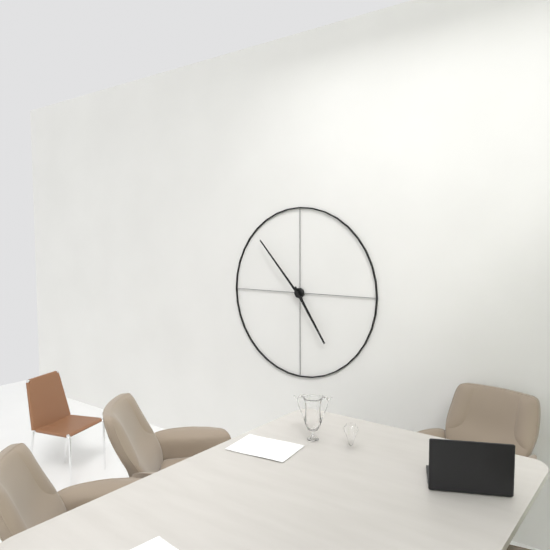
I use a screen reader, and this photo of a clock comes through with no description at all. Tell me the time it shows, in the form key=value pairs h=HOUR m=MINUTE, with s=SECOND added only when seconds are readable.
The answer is h=4 m=53
